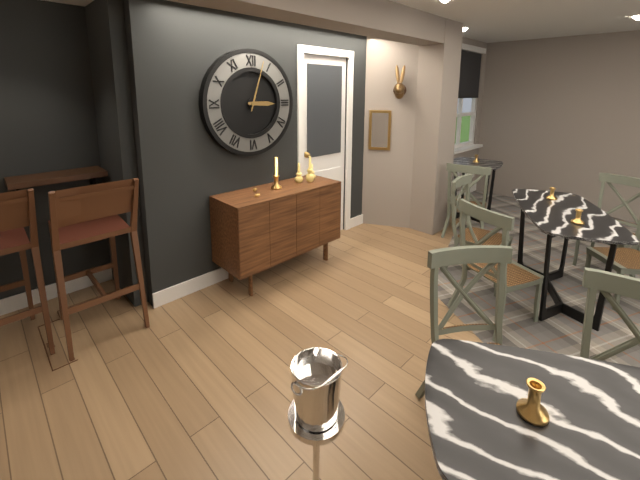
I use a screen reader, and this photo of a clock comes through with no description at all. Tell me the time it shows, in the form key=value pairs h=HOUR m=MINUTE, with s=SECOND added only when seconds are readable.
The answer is h=3 m=3
